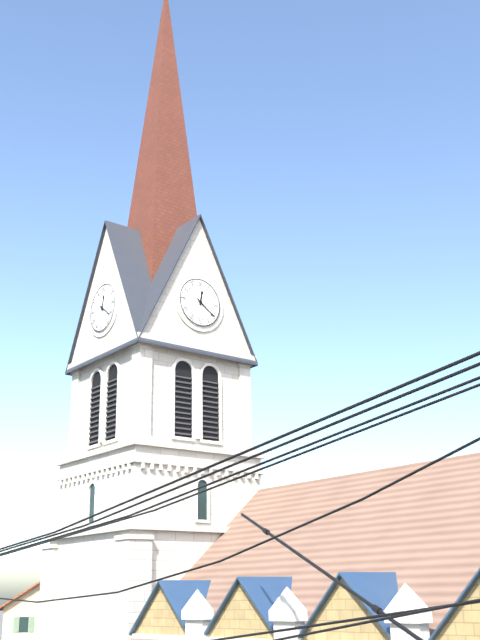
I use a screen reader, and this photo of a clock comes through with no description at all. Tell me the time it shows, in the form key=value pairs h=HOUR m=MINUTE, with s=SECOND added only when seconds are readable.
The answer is h=12 m=21
